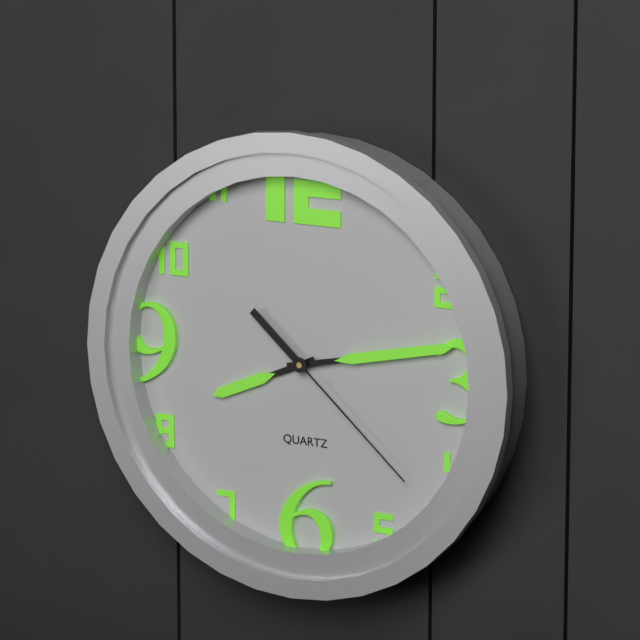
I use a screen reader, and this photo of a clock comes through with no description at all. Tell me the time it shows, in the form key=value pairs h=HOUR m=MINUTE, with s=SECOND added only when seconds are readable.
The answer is h=8 m=13 s=22
